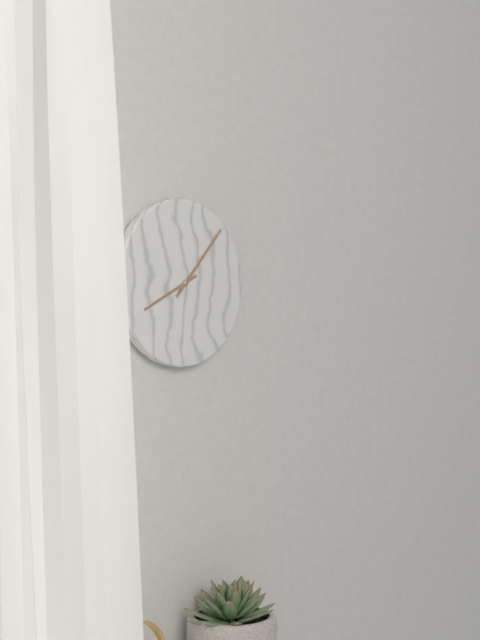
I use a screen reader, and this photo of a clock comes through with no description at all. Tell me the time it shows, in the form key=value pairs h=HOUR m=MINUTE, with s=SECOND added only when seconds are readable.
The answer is h=8 m=7
